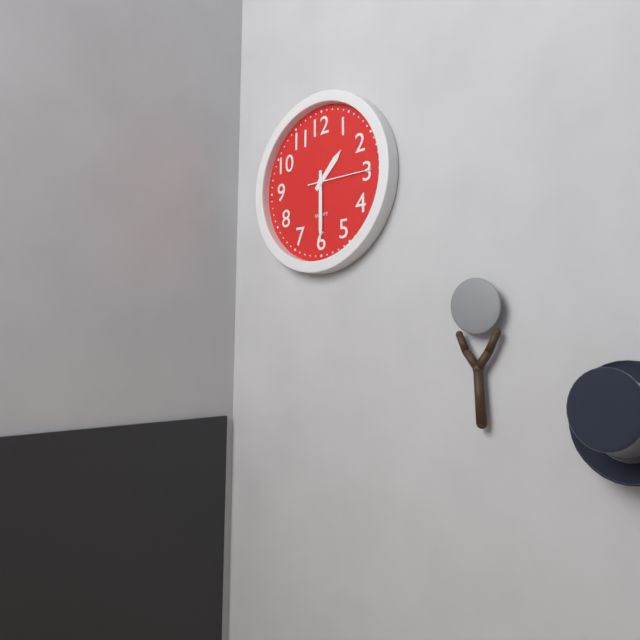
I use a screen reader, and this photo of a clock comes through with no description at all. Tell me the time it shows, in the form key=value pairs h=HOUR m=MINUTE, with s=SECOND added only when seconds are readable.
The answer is h=1 m=30 s=15
